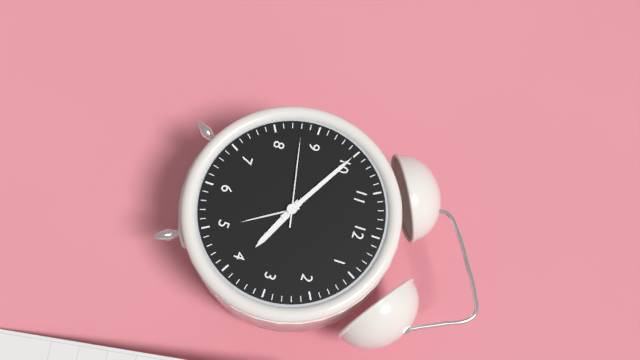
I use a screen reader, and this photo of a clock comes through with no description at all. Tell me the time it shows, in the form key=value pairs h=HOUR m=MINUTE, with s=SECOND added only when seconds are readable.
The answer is h=3 m=50 s=43
